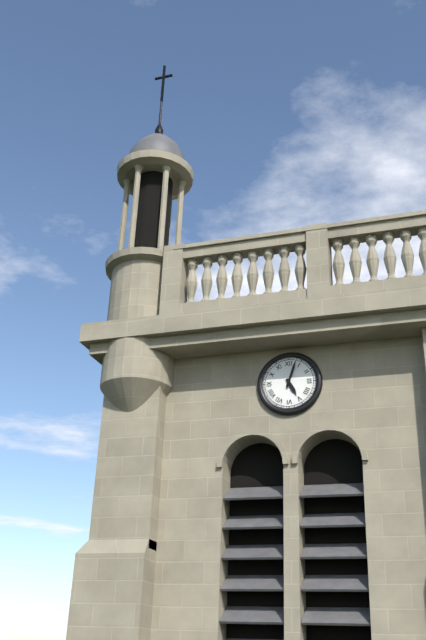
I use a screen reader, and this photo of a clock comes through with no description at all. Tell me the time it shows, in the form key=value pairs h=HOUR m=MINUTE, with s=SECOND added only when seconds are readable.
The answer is h=5 m=3
